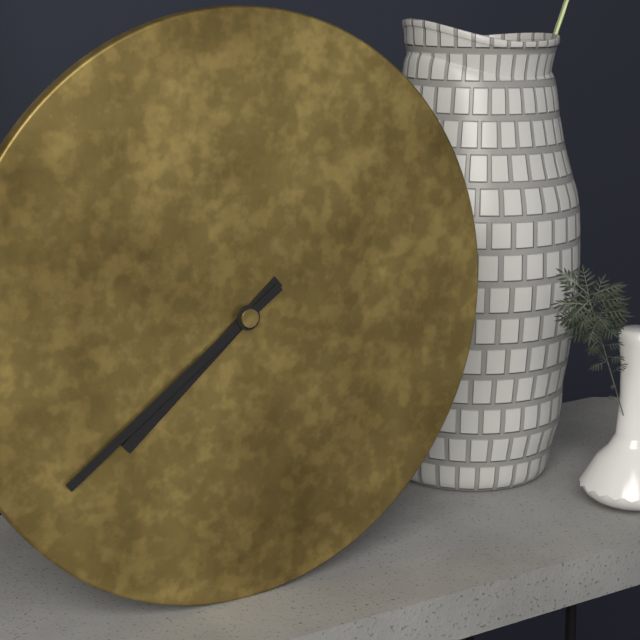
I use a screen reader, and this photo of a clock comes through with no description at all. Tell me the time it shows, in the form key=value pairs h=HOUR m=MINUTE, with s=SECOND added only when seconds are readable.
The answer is h=7 m=39
